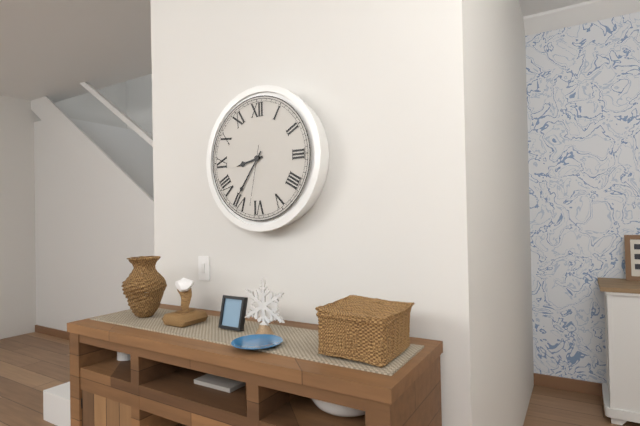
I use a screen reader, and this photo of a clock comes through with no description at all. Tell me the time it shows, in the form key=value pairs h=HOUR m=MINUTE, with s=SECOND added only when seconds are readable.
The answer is h=8 m=36 s=32
